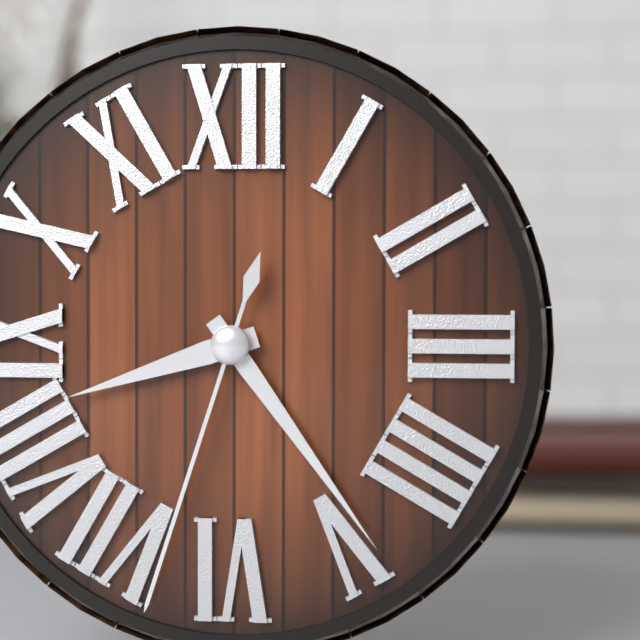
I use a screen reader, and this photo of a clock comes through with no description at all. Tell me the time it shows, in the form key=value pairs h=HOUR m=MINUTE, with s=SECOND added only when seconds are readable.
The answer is h=8 m=24 s=33
